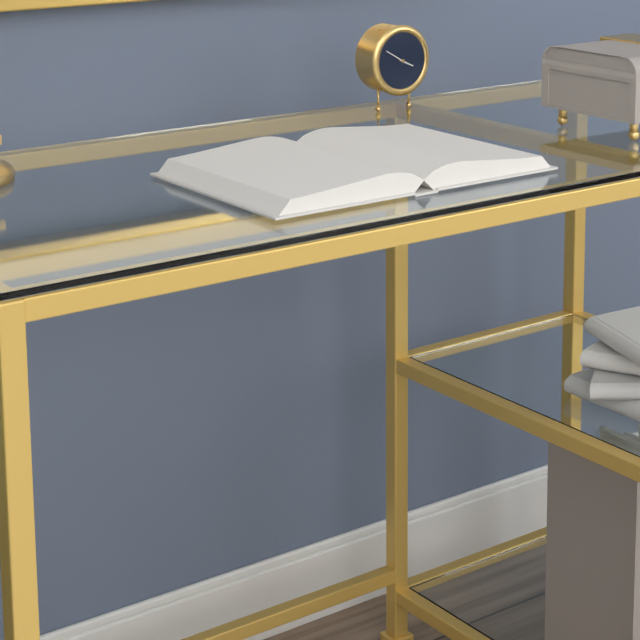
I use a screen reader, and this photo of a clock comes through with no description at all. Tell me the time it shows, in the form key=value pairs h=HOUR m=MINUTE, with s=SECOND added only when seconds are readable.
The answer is h=3 m=50
